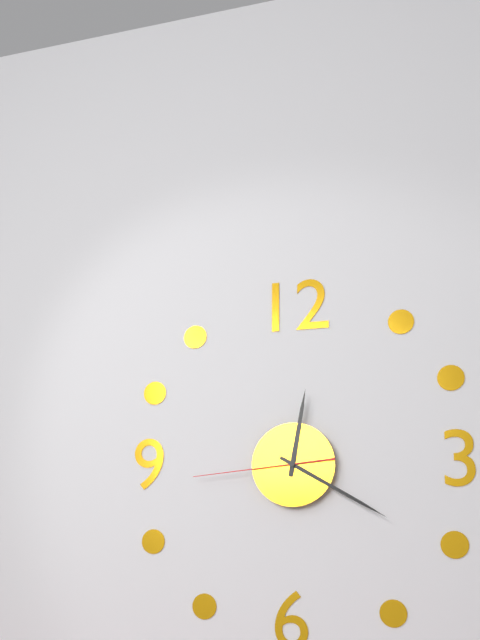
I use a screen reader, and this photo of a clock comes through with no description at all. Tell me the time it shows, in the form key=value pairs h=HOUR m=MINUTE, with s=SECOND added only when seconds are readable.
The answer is h=12 m=20 s=44
